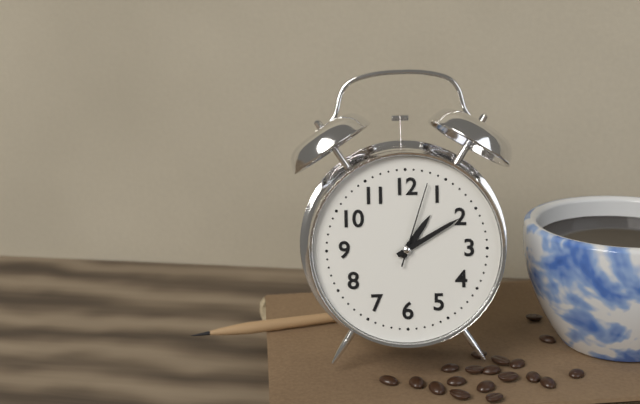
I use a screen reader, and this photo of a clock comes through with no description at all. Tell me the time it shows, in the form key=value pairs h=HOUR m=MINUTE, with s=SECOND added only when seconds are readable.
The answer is h=1 m=10 s=3
